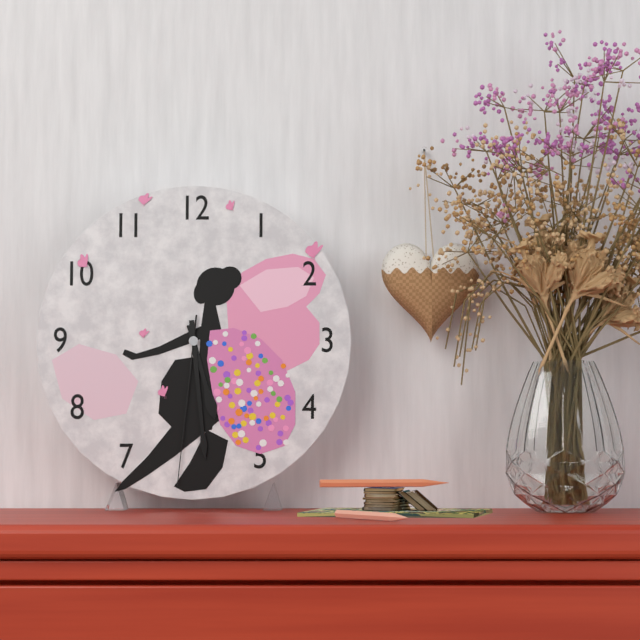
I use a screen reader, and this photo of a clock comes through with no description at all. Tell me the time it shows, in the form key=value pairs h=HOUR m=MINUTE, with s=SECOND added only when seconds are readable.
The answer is h=5 m=29 s=31
